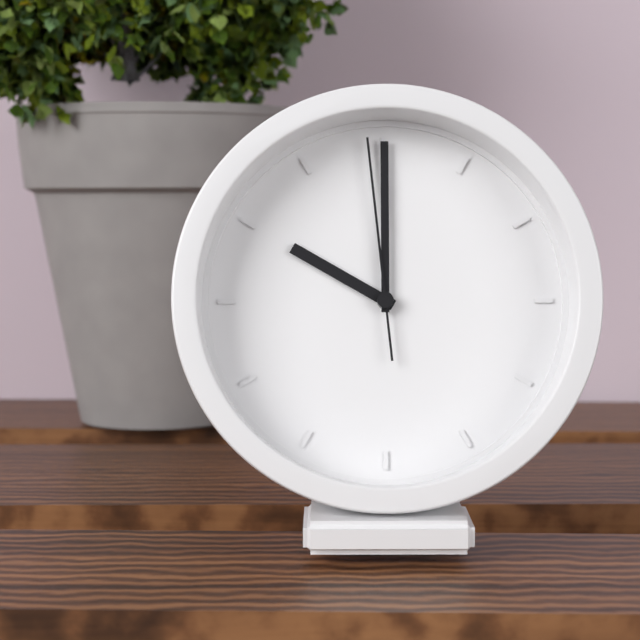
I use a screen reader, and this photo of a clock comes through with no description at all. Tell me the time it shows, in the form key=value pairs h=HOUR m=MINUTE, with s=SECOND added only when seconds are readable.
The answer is h=10 m=0 s=59
